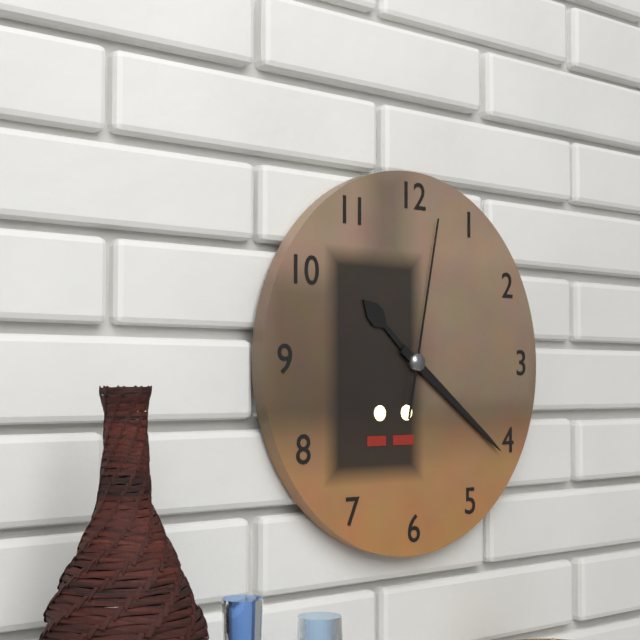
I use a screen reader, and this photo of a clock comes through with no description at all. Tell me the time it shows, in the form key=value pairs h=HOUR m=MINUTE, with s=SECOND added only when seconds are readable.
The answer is h=10 m=21 s=2
